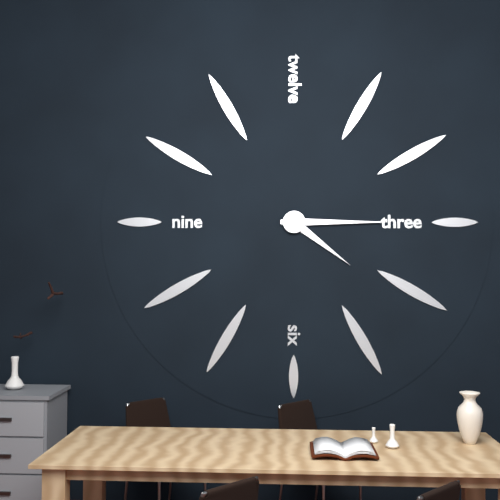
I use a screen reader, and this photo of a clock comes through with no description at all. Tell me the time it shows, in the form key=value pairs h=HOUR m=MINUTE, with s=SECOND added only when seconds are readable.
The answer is h=4 m=15
